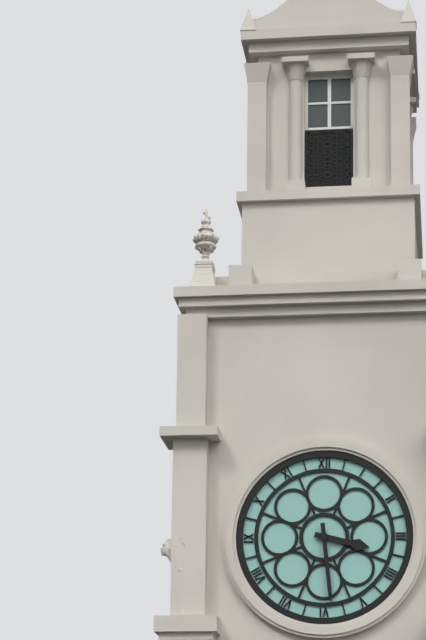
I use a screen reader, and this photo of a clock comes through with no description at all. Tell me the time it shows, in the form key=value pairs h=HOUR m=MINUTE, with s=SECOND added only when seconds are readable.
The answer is h=3 m=29
